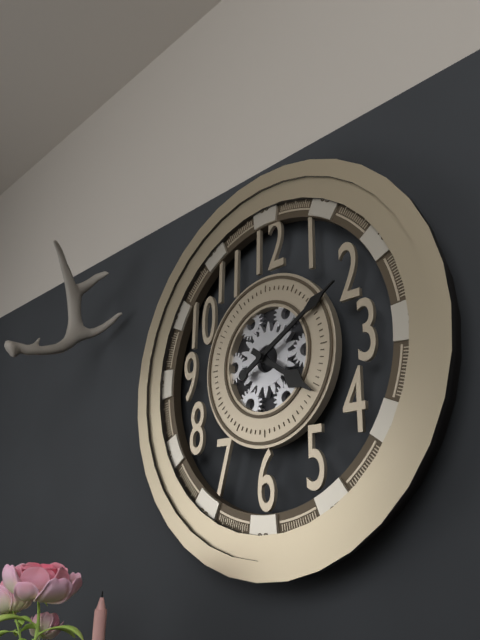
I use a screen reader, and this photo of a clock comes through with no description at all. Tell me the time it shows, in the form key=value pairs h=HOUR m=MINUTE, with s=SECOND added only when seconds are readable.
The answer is h=4 m=10
